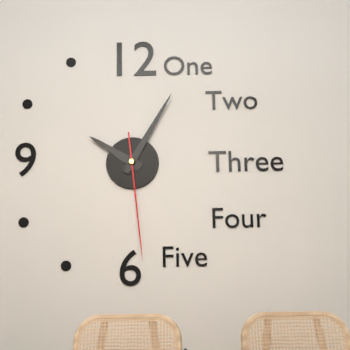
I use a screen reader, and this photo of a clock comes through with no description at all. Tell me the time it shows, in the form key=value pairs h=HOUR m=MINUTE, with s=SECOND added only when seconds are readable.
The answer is h=10 m=5 s=29
